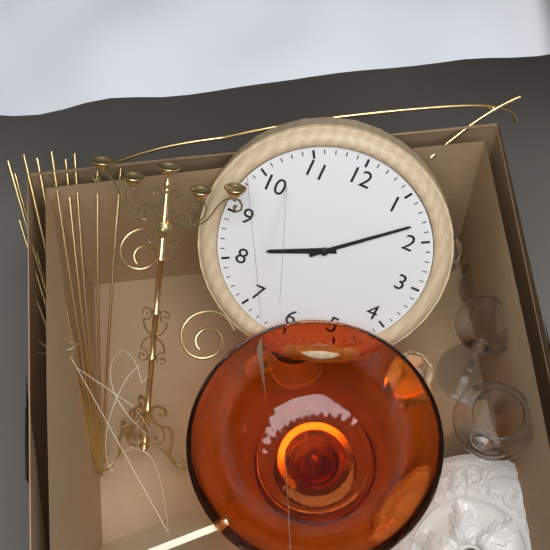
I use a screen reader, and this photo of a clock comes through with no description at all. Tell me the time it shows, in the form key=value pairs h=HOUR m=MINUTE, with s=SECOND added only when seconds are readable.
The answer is h=8 m=8
